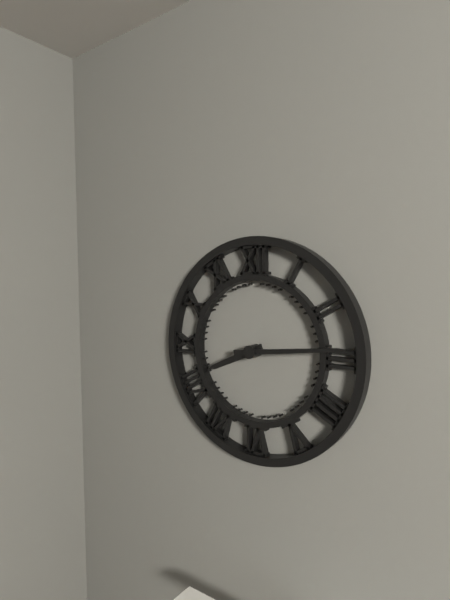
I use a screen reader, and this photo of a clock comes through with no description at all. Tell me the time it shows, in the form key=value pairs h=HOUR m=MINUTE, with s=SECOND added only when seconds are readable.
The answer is h=8 m=14
